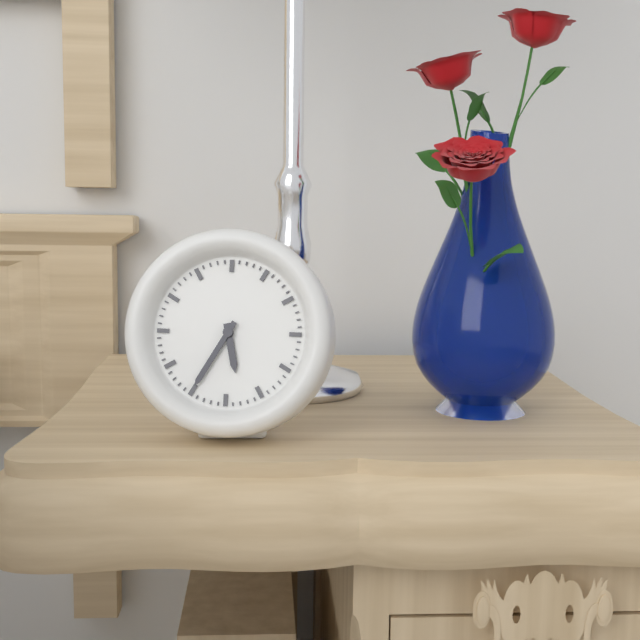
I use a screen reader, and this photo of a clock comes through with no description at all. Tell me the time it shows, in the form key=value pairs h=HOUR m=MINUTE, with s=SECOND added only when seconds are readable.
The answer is h=5 m=35
